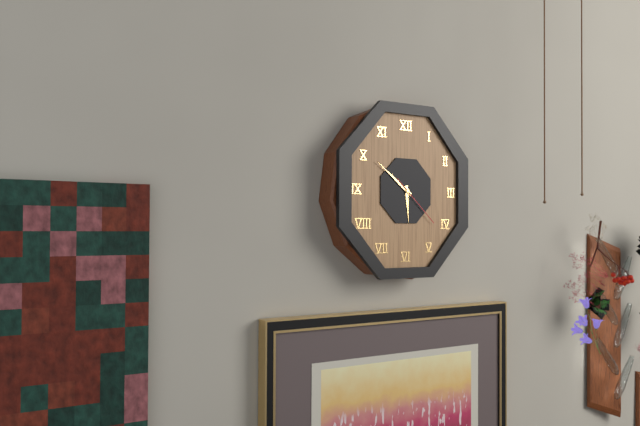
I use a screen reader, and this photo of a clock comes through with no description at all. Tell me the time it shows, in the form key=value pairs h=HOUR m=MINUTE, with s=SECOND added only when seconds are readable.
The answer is h=5 m=51 s=22
